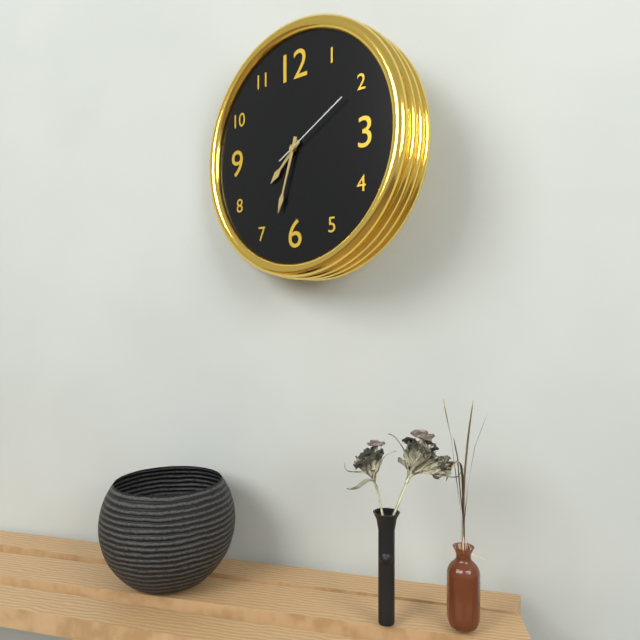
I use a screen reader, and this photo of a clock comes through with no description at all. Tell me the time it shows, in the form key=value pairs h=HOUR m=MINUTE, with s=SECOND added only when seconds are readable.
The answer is h=7 m=33 s=10
